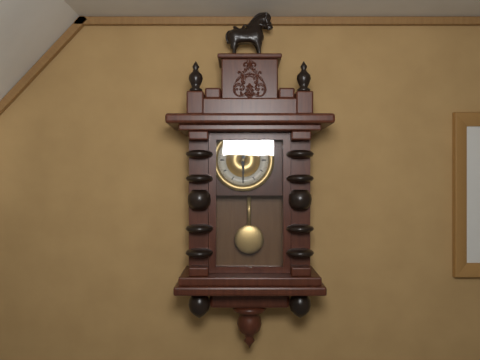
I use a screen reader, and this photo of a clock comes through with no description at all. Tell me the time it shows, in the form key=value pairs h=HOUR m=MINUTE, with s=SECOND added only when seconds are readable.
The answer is h=12 m=30
